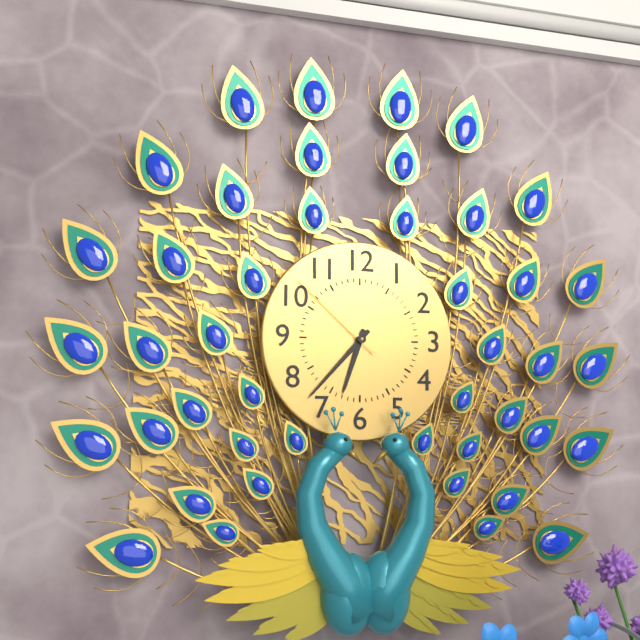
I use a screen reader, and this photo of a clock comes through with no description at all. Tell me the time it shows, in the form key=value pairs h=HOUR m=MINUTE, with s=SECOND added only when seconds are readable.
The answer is h=6 m=37 s=52
